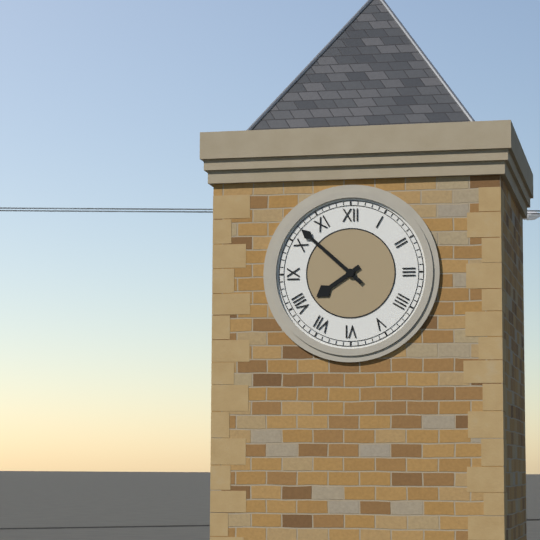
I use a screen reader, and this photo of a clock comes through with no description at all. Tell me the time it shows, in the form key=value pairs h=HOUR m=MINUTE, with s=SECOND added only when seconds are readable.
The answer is h=7 m=52
